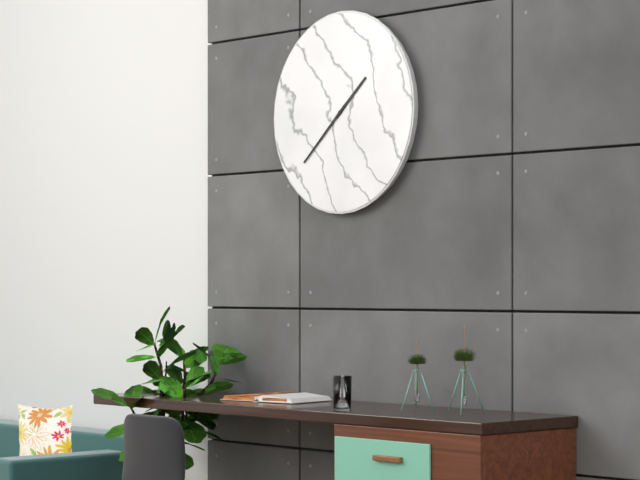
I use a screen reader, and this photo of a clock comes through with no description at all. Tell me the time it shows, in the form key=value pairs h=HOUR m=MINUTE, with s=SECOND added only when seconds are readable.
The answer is h=1 m=38
